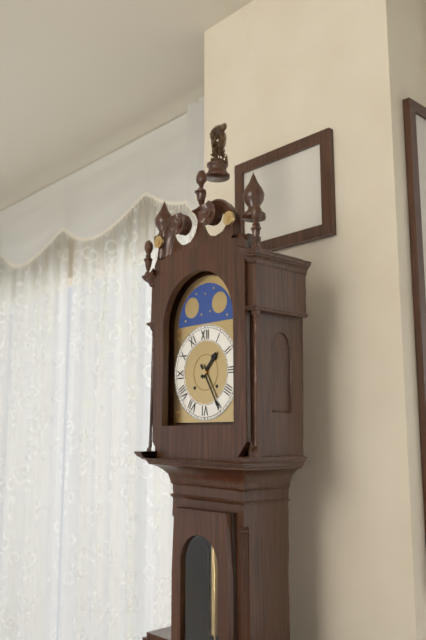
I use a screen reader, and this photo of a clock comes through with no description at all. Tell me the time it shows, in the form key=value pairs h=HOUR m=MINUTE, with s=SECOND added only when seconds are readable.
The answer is h=1 m=25
